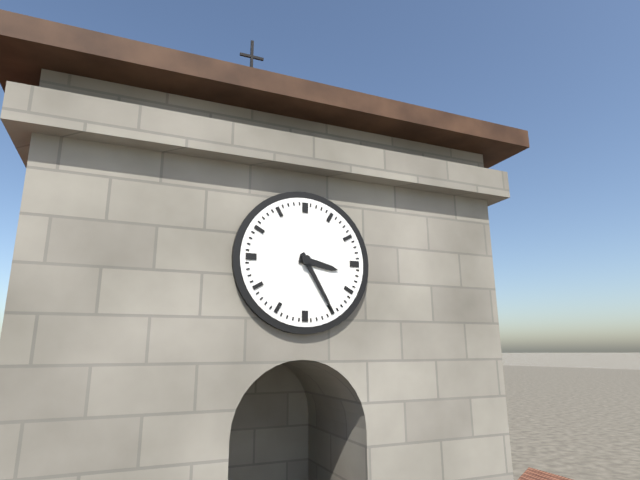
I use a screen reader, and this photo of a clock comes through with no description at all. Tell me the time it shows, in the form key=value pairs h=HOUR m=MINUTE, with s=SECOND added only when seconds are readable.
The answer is h=3 m=25
